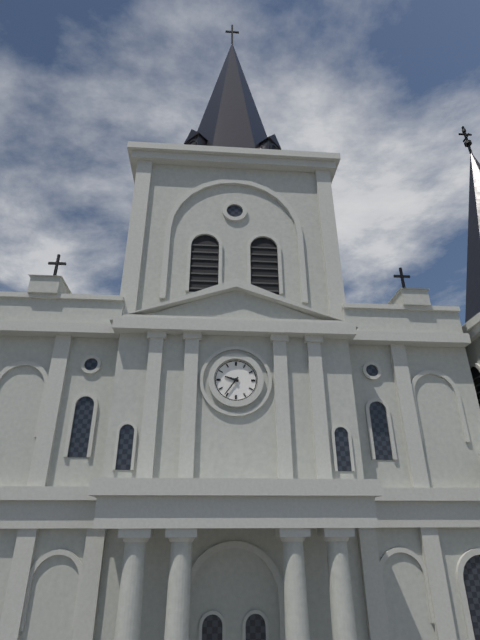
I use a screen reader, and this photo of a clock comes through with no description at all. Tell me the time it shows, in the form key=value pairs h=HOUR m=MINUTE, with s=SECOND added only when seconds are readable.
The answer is h=9 m=36
